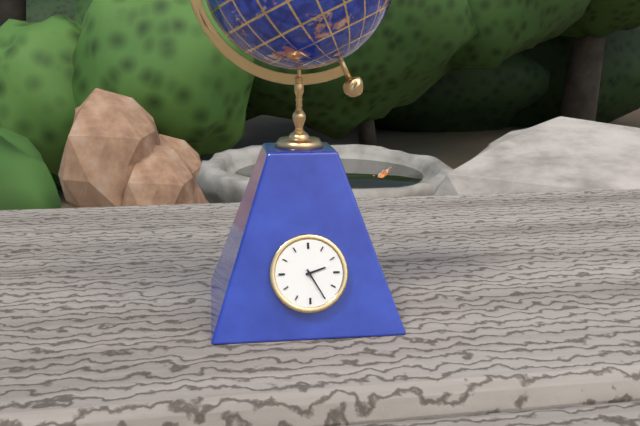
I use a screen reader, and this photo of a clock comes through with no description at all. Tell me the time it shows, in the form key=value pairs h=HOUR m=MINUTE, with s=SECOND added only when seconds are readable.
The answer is h=2 m=25
